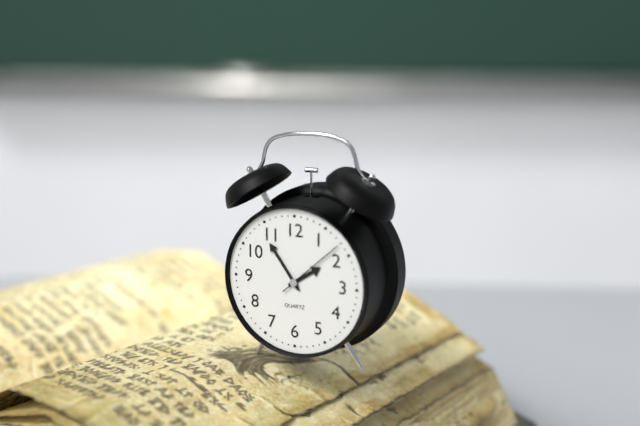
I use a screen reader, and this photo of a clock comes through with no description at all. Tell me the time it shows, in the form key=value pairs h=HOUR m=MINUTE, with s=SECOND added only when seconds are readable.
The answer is h=1 m=54 s=8
